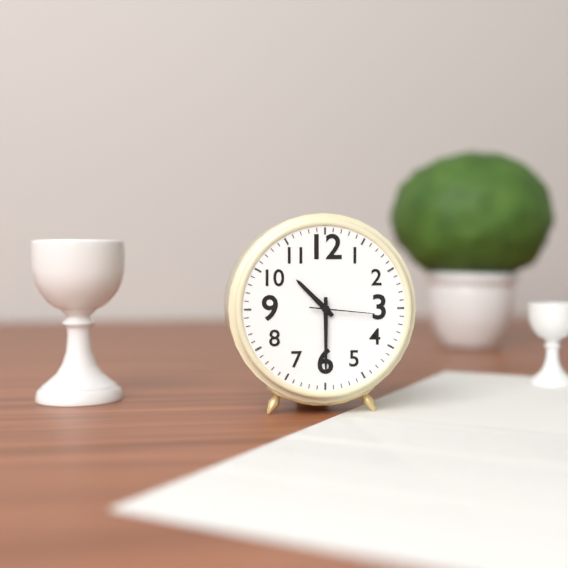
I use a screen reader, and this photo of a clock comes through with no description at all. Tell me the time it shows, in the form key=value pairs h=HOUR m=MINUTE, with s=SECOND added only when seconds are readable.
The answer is h=10 m=30 s=16
